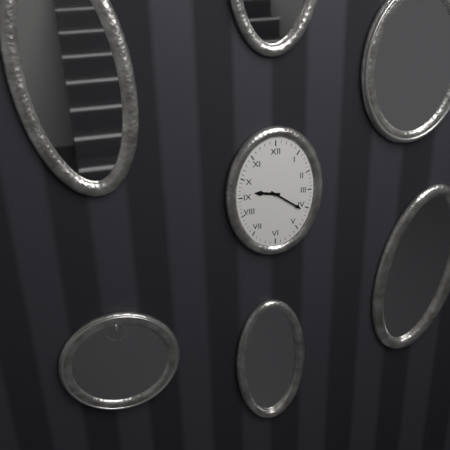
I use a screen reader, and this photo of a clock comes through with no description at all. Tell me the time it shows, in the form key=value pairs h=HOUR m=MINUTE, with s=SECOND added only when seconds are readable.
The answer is h=9 m=21
